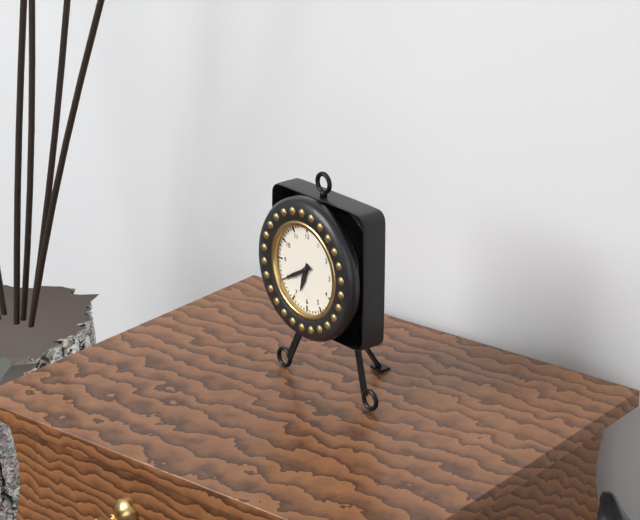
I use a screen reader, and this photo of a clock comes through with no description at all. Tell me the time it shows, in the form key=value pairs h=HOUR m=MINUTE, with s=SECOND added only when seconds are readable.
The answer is h=6 m=40
